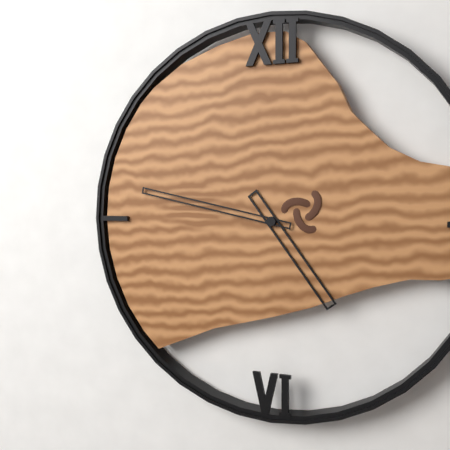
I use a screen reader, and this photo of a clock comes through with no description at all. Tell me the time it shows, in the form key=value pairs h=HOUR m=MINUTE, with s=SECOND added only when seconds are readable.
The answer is h=4 m=47
